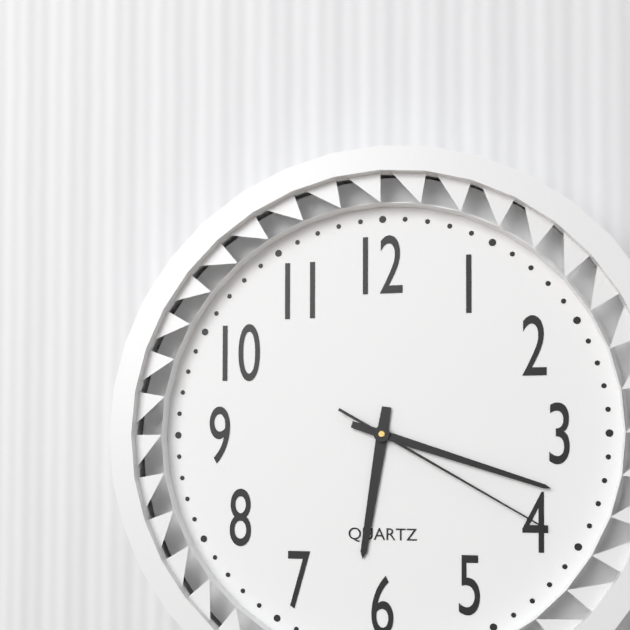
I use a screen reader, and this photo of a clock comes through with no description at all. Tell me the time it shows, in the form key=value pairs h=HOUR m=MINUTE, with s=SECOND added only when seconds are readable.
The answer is h=6 m=18 s=20
